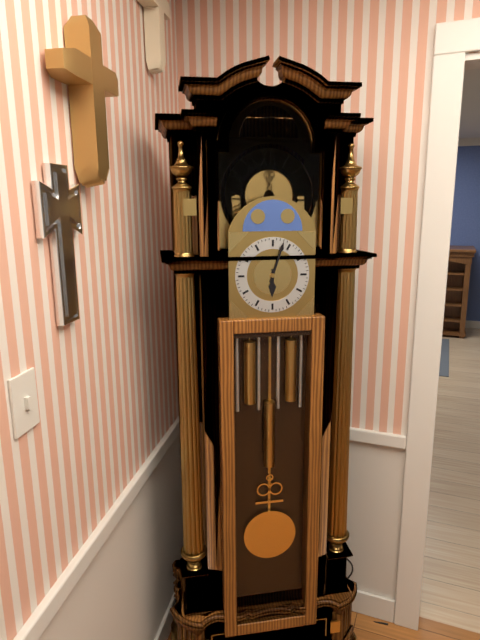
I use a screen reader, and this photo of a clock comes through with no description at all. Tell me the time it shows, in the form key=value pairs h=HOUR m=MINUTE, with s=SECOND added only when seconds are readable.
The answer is h=6 m=3
